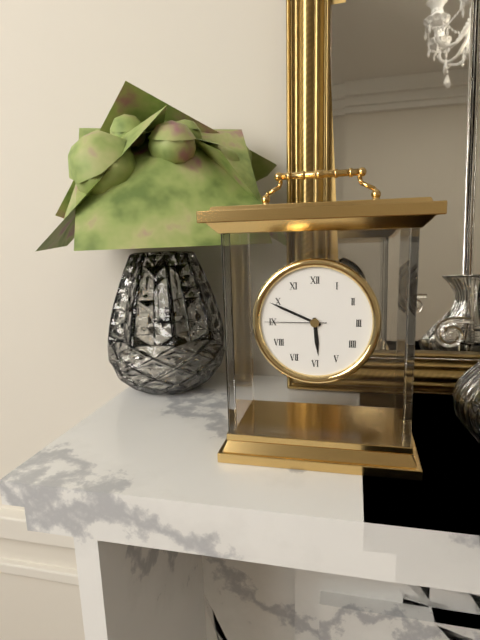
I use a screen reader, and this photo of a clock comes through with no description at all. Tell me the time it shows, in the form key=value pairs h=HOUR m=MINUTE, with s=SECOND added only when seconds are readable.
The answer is h=5 m=49 s=45
